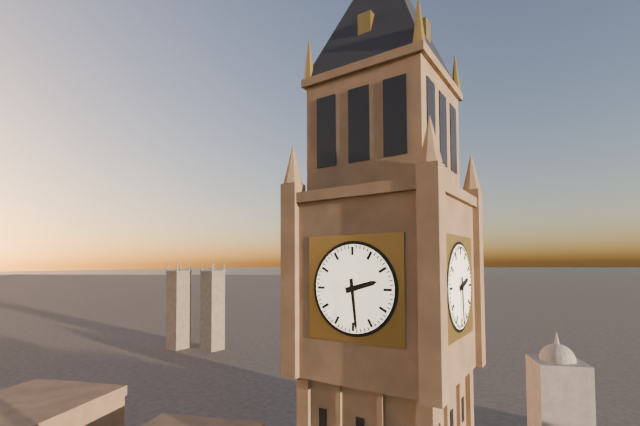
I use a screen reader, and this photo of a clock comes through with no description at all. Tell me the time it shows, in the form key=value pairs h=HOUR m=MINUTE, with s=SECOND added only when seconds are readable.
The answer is h=2 m=29
